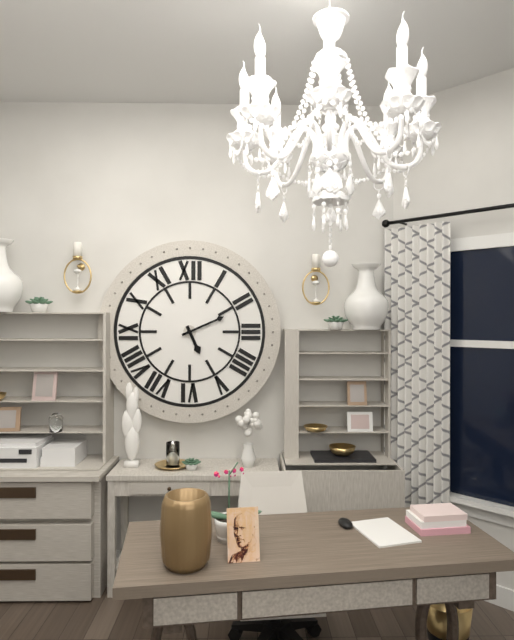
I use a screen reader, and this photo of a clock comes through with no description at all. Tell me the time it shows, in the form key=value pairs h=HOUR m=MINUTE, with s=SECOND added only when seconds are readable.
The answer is h=5 m=11
